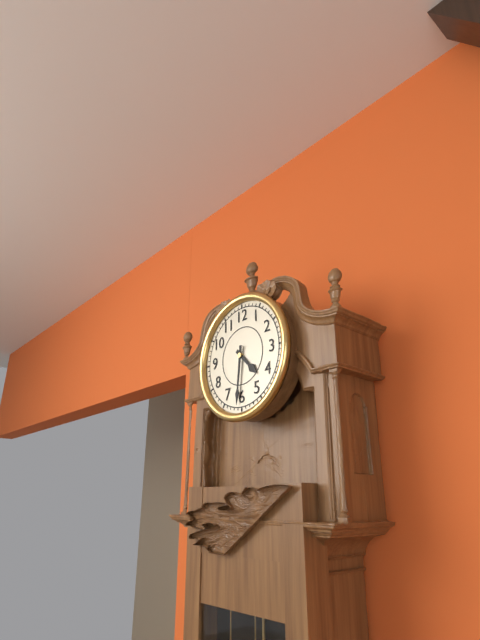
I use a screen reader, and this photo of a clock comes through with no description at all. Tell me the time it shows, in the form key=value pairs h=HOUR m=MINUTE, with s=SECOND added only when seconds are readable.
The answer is h=4 m=31
